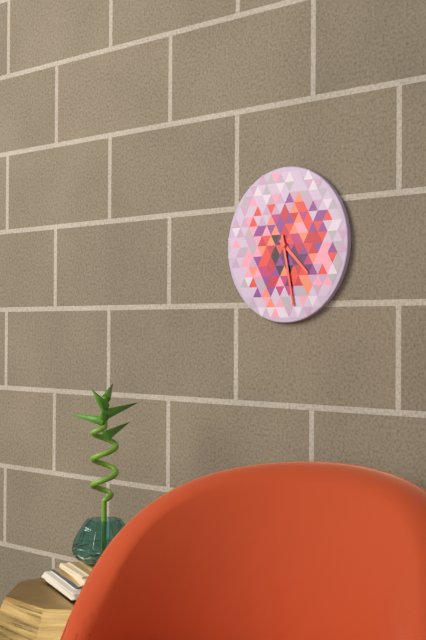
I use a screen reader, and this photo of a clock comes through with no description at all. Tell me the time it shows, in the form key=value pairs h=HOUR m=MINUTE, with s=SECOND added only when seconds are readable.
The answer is h=4 m=28
